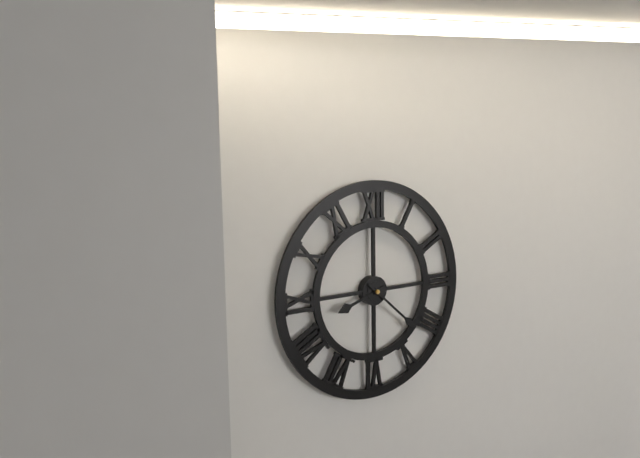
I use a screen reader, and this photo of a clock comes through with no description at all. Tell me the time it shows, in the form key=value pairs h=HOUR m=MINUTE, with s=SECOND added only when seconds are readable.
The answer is h=8 m=22
